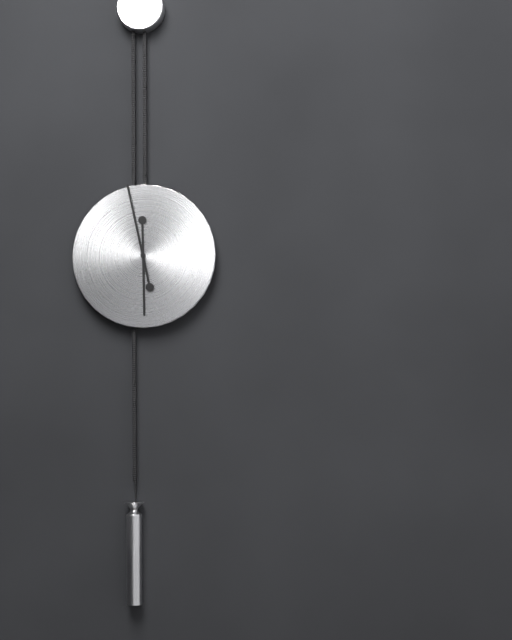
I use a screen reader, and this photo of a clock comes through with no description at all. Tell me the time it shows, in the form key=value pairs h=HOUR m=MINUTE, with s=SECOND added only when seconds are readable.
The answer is h=5 m=58
